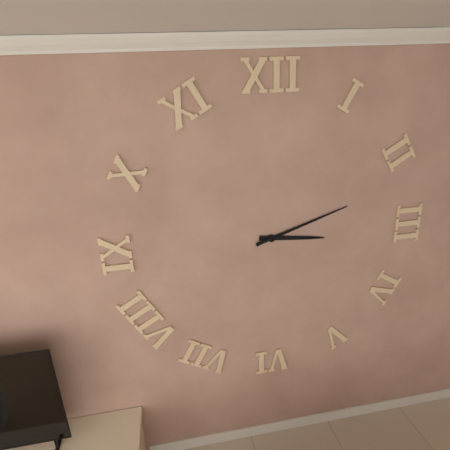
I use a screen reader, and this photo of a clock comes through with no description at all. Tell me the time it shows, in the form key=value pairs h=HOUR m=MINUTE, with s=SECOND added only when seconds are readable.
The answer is h=3 m=12
